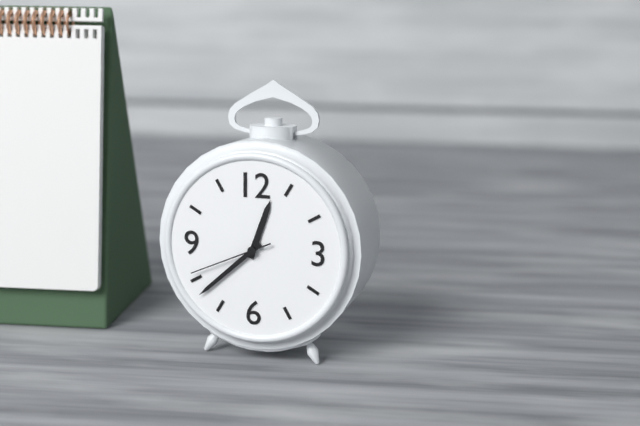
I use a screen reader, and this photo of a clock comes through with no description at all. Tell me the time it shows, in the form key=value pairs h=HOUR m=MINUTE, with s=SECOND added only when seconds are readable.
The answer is h=12 m=38 s=41
